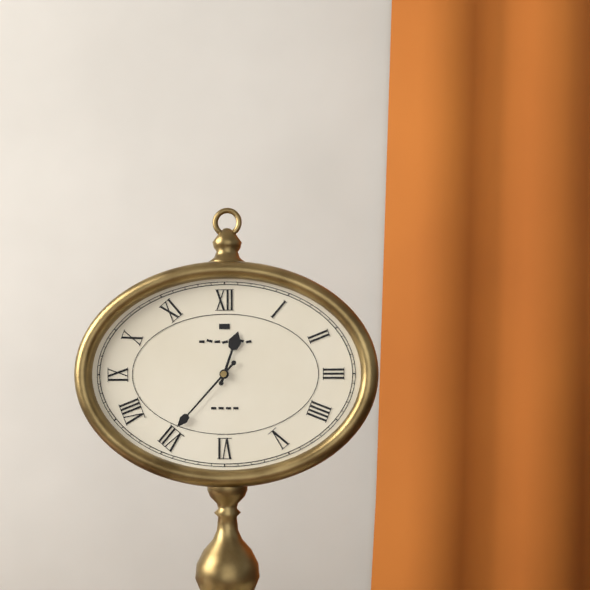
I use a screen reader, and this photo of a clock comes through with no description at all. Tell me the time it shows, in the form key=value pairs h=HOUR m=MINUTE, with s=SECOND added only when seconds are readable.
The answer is h=12 m=37
